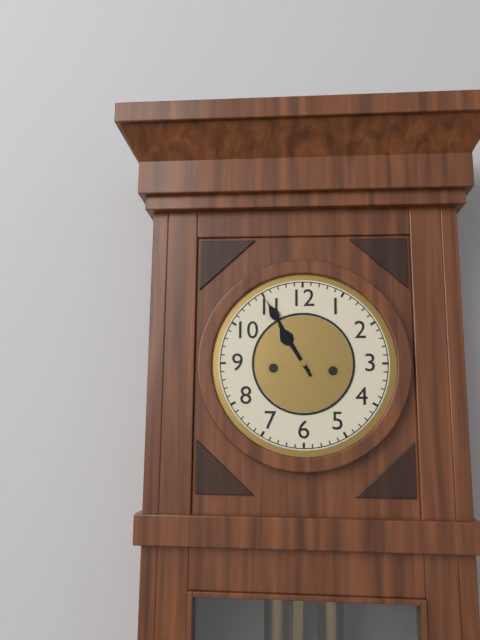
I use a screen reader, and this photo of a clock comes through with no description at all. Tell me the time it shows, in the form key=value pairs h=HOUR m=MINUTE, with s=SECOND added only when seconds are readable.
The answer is h=10 m=55
